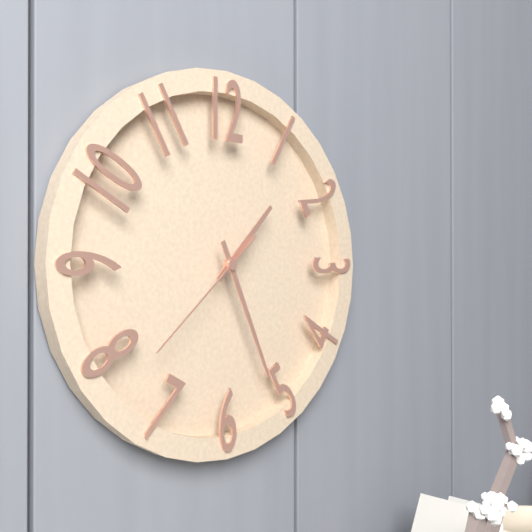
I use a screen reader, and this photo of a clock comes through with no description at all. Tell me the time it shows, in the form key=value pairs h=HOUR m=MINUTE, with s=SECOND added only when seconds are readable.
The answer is h=1 m=26 s=38
